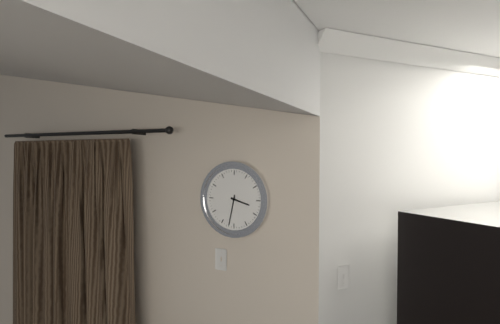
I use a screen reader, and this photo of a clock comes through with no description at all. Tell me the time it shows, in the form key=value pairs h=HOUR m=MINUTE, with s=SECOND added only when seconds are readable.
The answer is h=3 m=32
